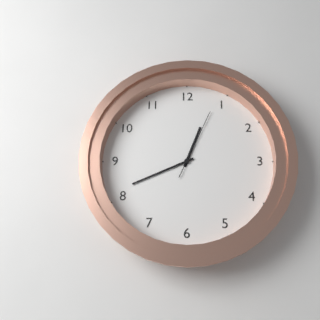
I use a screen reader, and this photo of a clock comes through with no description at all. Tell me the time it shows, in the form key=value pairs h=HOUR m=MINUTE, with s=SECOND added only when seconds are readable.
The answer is h=12 m=41 s=4
